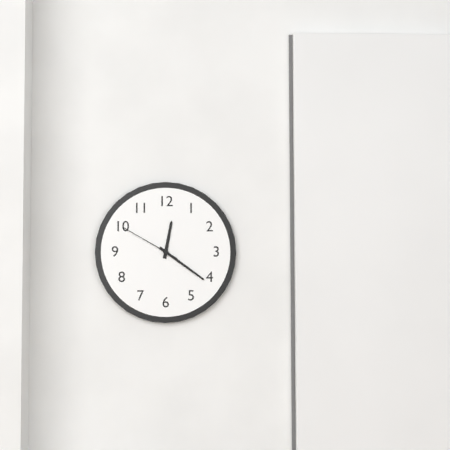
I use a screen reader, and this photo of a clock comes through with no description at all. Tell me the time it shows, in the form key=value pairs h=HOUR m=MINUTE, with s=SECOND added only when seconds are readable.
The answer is h=12 m=21 s=50
